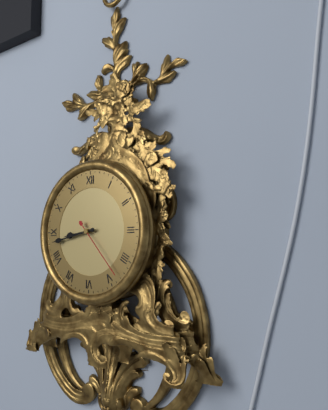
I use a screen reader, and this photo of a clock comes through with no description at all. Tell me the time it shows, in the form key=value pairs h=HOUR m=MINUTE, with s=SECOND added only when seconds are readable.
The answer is h=8 m=43 s=23
